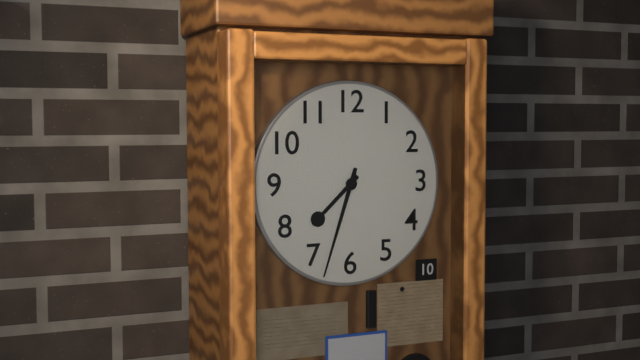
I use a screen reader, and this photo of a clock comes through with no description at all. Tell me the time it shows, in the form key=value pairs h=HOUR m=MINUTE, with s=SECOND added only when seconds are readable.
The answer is h=7 m=33
